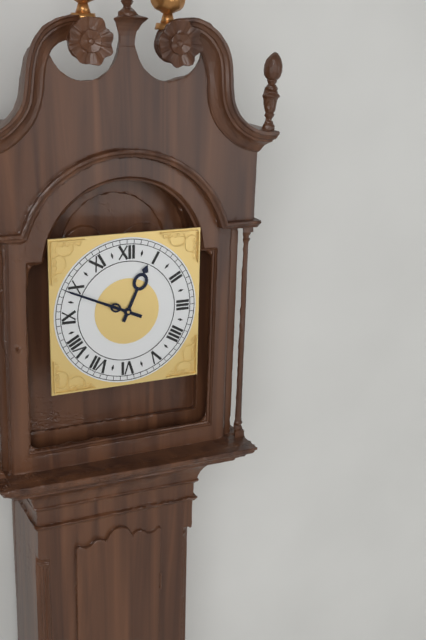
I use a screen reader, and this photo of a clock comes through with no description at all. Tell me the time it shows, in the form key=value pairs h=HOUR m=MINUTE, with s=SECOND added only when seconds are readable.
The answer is h=12 m=49
